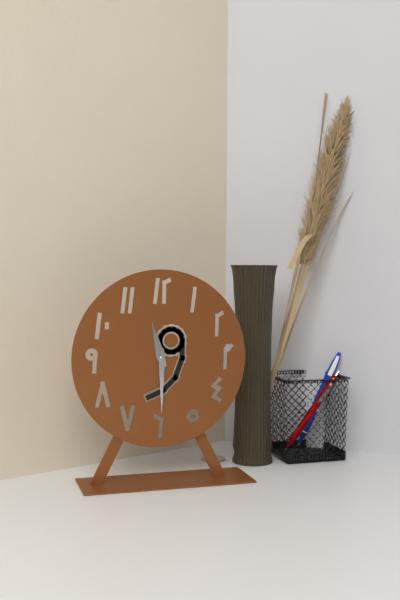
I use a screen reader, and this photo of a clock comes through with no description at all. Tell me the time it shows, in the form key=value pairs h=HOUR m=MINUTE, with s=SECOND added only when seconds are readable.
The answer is h=11 m=30
